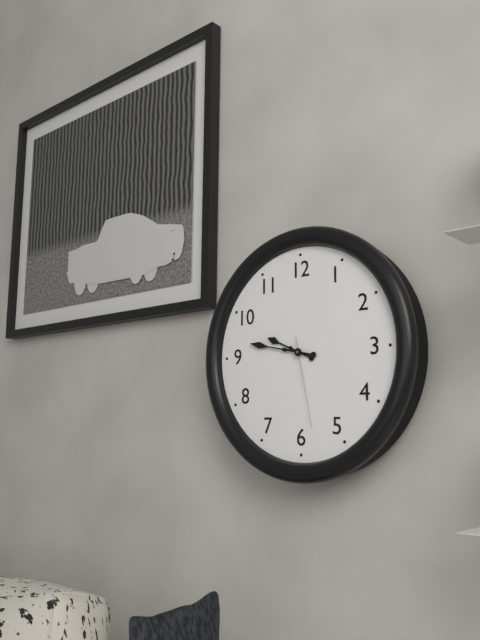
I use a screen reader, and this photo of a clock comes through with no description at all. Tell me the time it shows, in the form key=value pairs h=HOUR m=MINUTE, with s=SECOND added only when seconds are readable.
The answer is h=9 m=47 s=28
